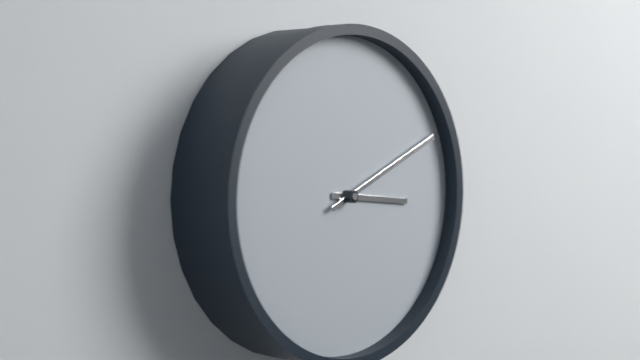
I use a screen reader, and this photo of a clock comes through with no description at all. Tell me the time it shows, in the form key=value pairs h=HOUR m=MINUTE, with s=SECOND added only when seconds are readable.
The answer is h=3 m=11
